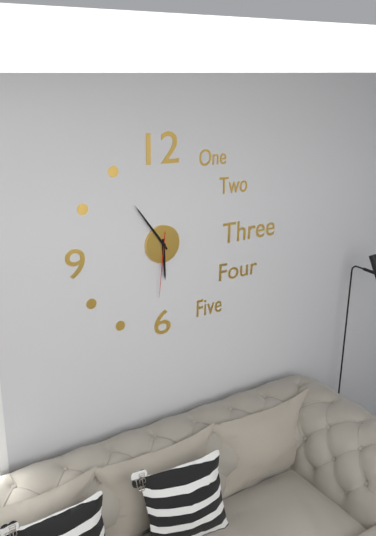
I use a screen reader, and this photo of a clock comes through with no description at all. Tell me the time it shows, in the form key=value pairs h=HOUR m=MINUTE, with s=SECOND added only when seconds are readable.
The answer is h=5 m=54 s=31
